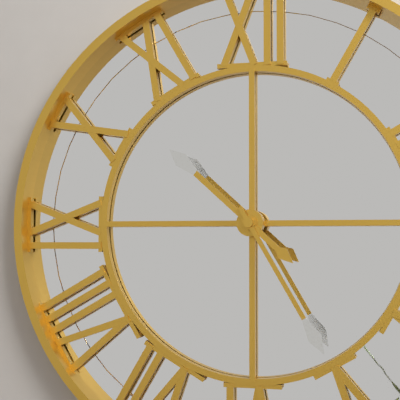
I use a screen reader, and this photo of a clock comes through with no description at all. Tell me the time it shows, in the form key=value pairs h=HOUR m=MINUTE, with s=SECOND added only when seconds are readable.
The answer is h=10 m=25
